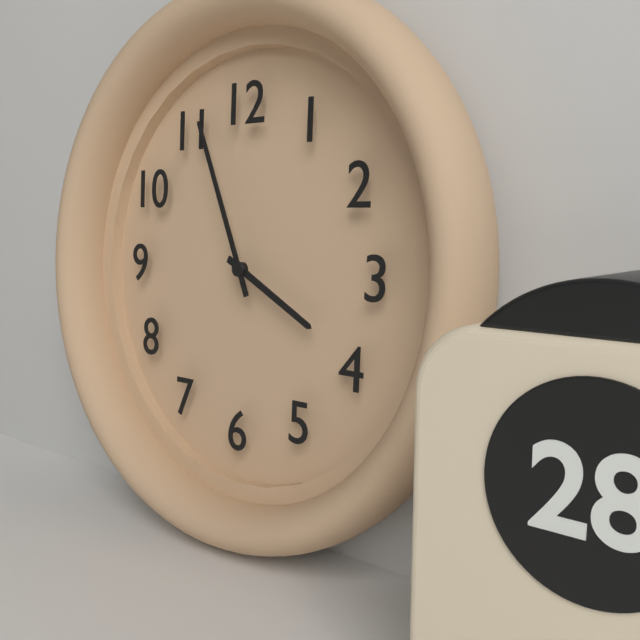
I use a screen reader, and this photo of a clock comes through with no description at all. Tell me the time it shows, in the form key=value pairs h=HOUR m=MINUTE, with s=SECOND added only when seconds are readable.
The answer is h=3 m=56
